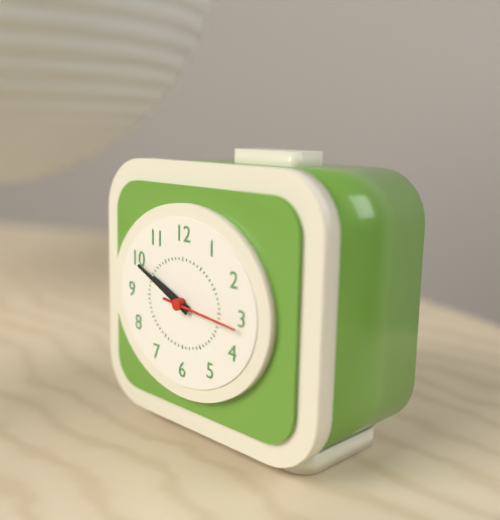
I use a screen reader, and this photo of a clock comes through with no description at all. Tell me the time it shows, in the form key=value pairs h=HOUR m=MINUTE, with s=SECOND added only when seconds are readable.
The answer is h=9 m=49 s=16
